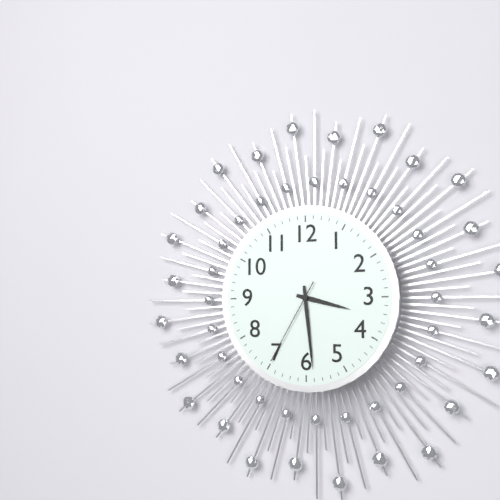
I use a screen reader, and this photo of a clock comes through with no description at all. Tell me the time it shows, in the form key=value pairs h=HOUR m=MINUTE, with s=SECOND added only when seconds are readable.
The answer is h=3 m=29 s=35
